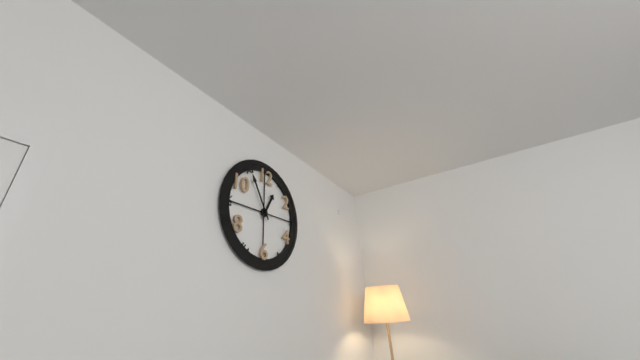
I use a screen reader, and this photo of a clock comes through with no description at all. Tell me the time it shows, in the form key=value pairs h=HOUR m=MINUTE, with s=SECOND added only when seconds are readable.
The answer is h=12 m=55
